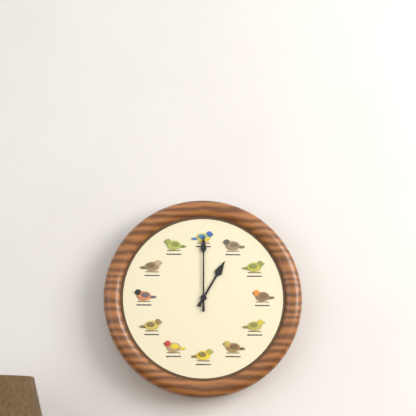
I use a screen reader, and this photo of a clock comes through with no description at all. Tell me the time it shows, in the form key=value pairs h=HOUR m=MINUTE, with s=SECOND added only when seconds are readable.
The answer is h=1 m=0
